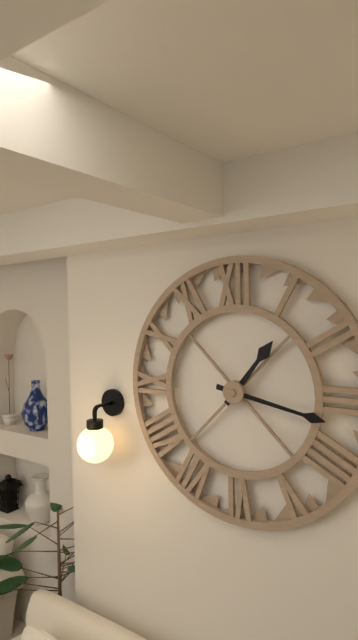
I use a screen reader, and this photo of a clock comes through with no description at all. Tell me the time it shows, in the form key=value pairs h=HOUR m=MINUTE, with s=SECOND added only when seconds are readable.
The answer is h=1 m=17
